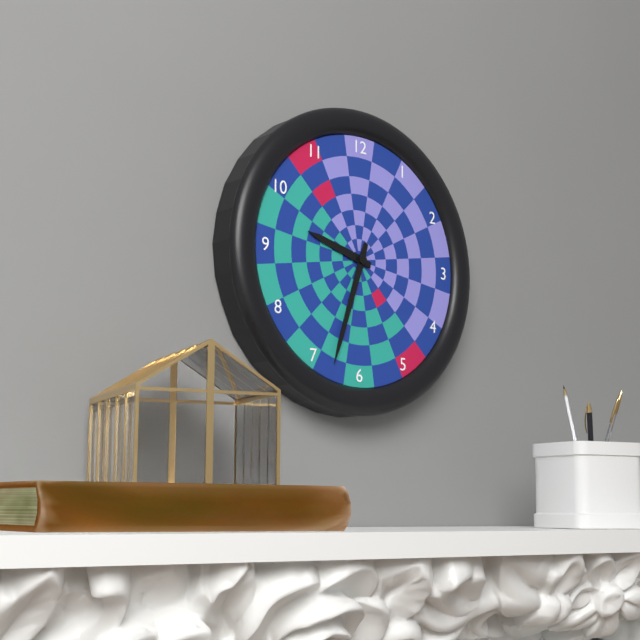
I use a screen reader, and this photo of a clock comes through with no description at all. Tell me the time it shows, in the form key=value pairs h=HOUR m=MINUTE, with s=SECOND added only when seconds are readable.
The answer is h=9 m=33
